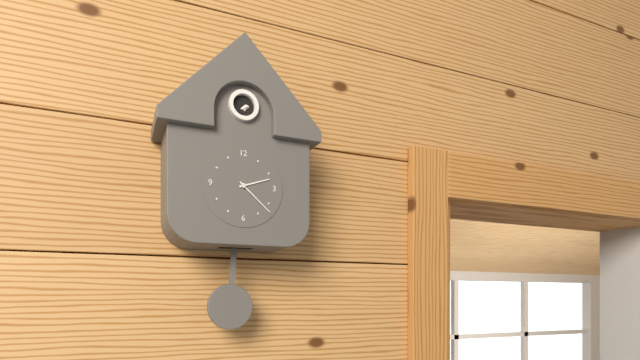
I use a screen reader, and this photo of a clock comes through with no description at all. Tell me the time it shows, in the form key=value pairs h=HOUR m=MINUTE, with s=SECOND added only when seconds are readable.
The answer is h=2 m=22
